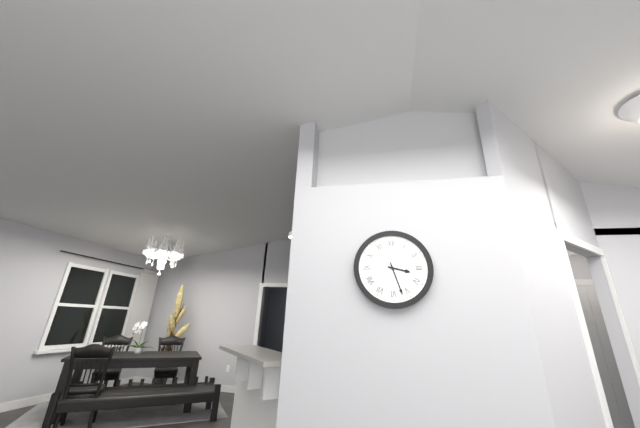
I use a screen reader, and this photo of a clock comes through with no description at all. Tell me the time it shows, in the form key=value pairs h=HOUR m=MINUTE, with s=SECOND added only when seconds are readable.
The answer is h=3 m=27
